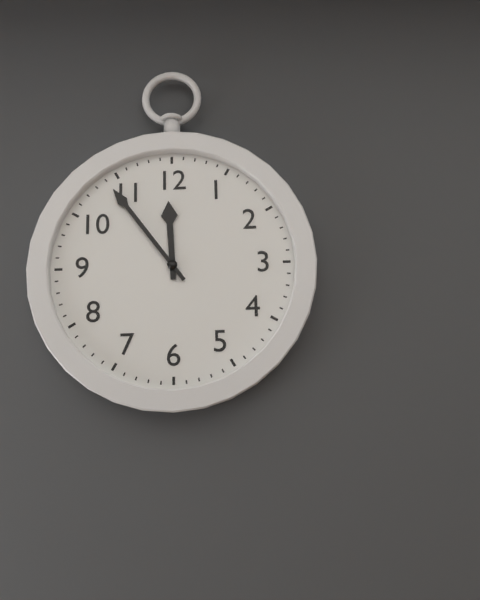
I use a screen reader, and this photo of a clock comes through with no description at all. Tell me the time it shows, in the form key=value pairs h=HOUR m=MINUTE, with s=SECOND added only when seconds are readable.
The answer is h=11 m=54
